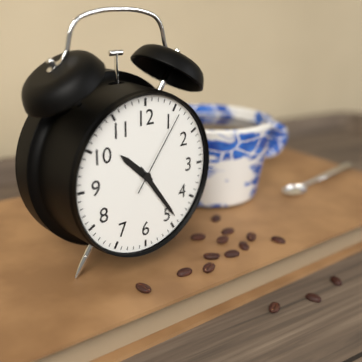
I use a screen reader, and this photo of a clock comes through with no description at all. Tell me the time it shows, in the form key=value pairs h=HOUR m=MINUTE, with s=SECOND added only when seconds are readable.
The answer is h=10 m=24 s=6
